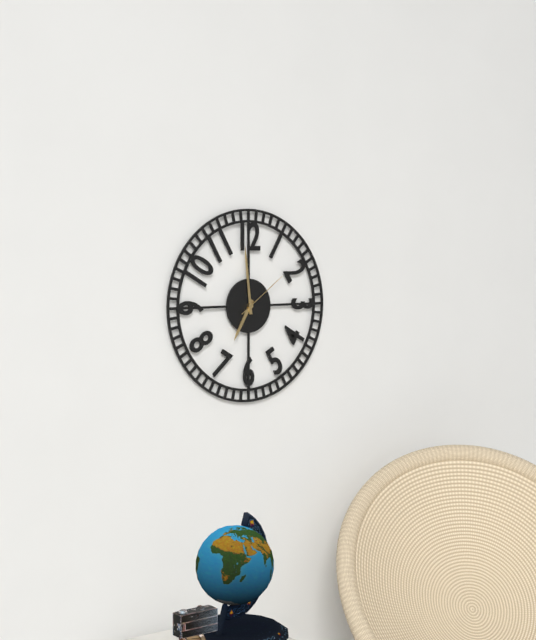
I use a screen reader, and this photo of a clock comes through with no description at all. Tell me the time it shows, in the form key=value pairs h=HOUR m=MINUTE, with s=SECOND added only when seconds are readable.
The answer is h=6 m=59 s=9
